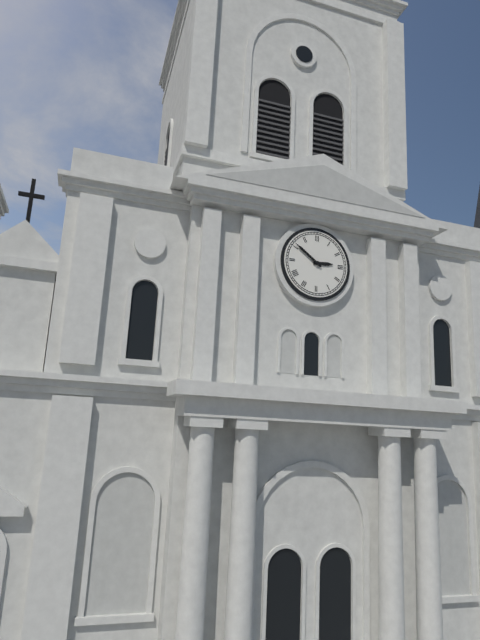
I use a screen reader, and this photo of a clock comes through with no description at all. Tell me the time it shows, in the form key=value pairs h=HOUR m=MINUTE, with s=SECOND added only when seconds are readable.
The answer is h=2 m=51
